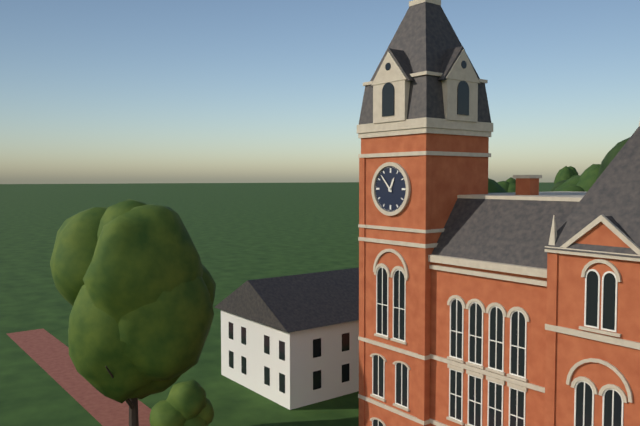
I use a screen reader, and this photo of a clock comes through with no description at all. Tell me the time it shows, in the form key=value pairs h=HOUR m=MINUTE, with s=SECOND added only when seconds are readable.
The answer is h=12 m=53
